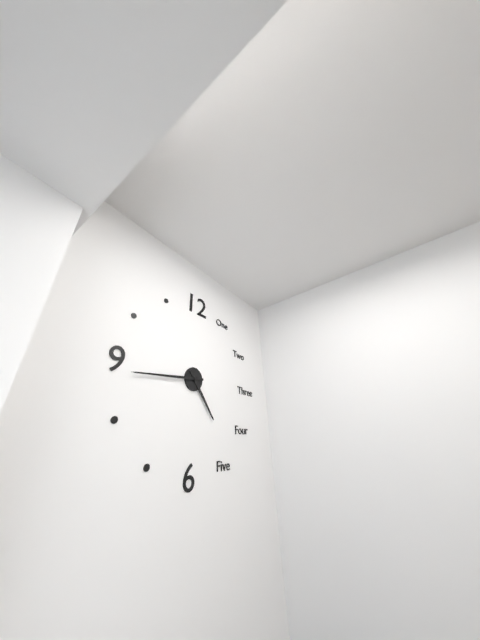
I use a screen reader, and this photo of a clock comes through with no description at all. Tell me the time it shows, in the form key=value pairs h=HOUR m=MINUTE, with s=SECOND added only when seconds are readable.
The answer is h=4 m=44
